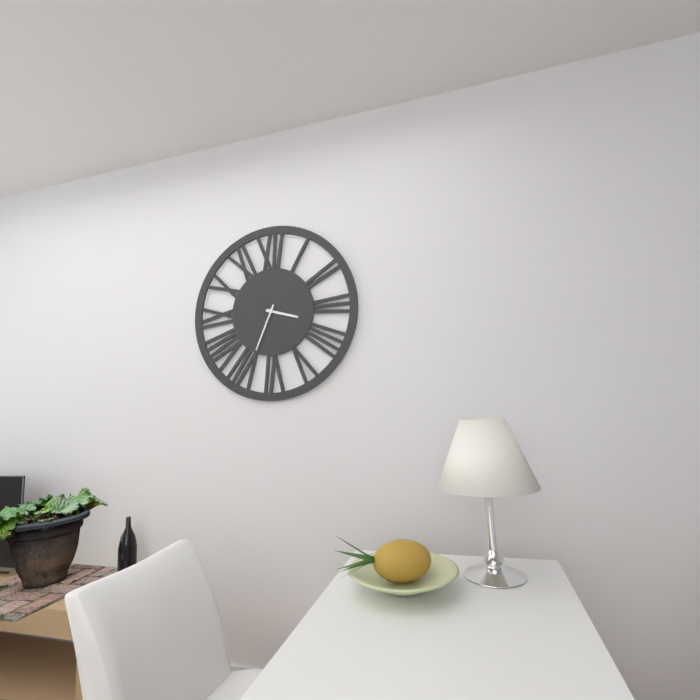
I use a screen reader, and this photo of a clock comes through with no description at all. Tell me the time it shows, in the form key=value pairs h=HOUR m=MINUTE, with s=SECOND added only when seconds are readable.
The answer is h=3 m=34
